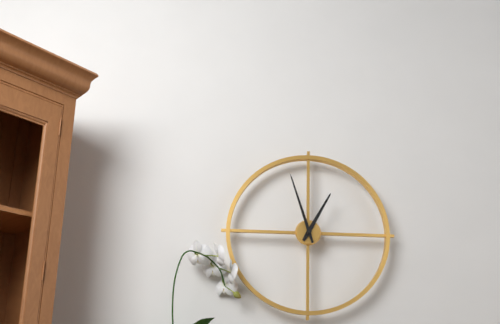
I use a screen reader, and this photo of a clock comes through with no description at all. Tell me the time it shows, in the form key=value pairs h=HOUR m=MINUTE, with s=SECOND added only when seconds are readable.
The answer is h=12 m=57
